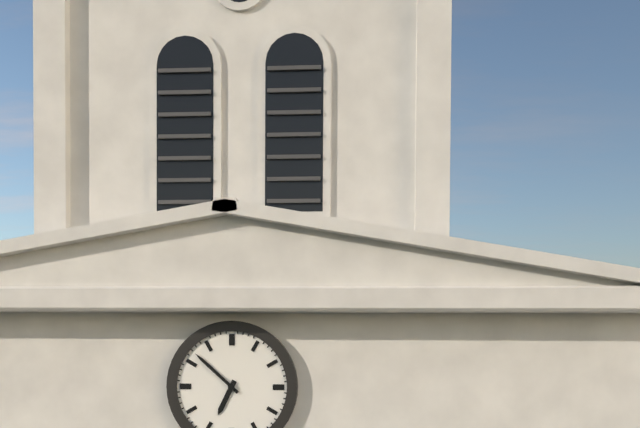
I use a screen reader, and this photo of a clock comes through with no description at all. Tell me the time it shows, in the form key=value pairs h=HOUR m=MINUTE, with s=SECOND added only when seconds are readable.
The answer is h=6 m=52
